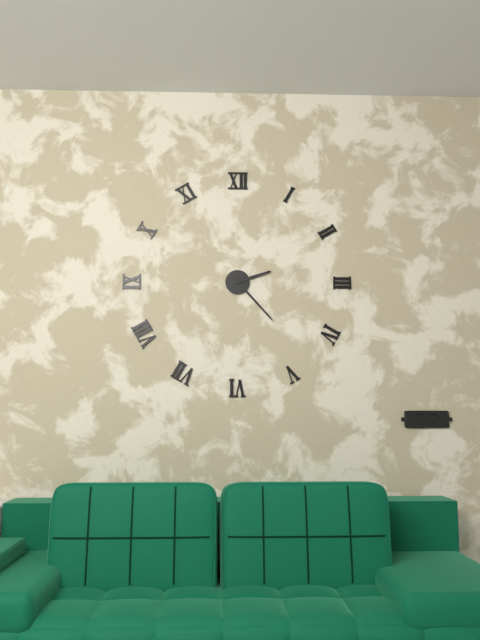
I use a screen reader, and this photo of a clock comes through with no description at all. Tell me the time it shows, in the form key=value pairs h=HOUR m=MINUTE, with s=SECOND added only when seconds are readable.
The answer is h=2 m=23
